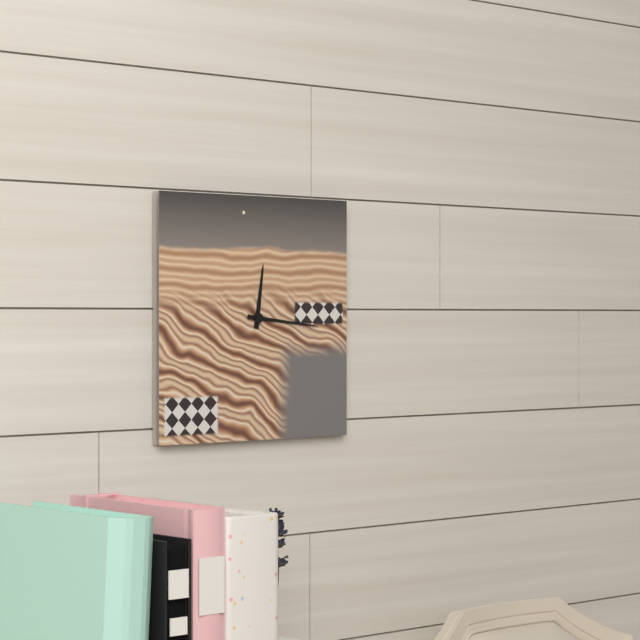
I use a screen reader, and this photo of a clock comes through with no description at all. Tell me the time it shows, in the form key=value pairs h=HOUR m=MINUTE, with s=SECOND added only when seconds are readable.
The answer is h=12 m=16
